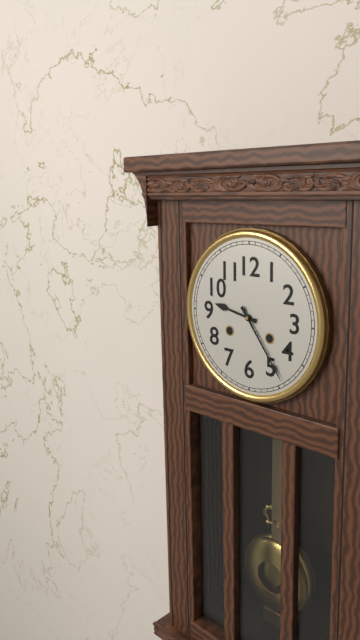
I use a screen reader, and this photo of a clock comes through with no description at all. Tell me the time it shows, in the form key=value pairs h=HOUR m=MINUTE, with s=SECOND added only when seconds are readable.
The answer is h=9 m=24
